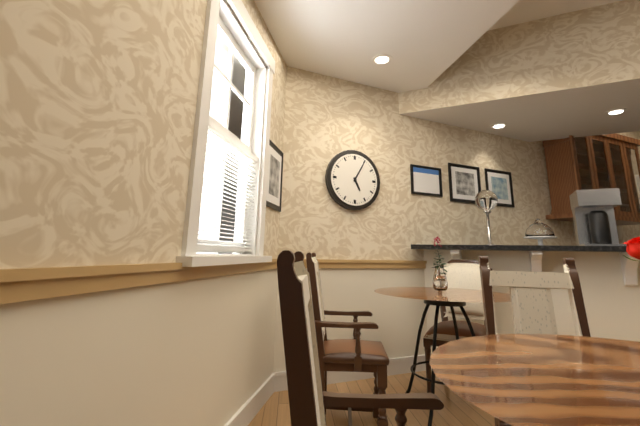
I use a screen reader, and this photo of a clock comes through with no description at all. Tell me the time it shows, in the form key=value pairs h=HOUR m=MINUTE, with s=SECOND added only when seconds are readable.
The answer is h=5 m=5
